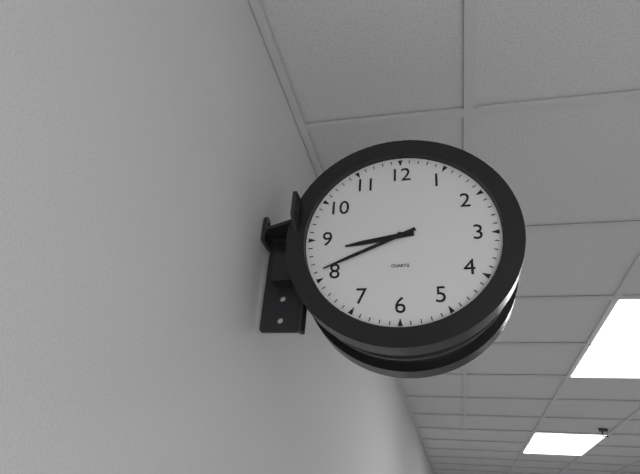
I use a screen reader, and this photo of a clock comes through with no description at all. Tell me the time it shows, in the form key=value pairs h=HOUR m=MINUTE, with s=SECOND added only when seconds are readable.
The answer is h=8 m=41
